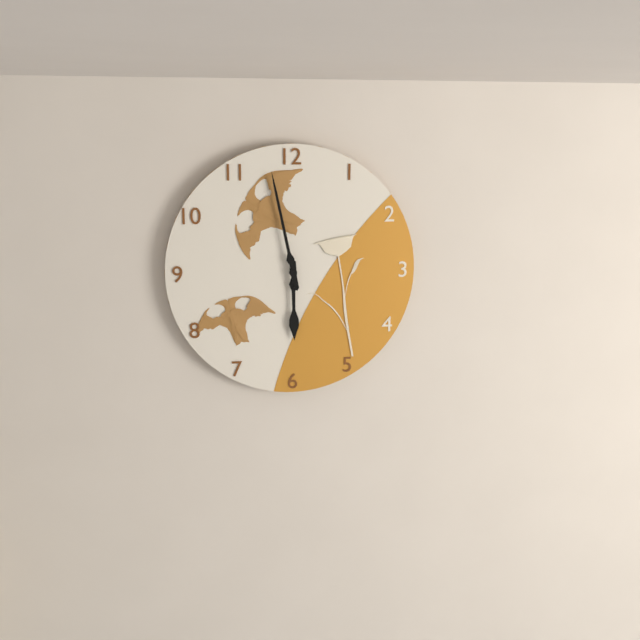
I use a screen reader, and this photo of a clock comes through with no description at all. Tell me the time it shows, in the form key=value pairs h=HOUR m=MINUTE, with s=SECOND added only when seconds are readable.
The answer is h=5 m=58
